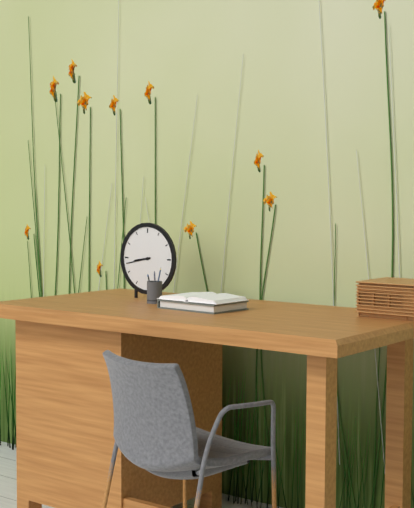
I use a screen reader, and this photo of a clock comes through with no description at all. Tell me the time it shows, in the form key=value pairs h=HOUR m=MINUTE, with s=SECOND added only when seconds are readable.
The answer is h=8 m=43
